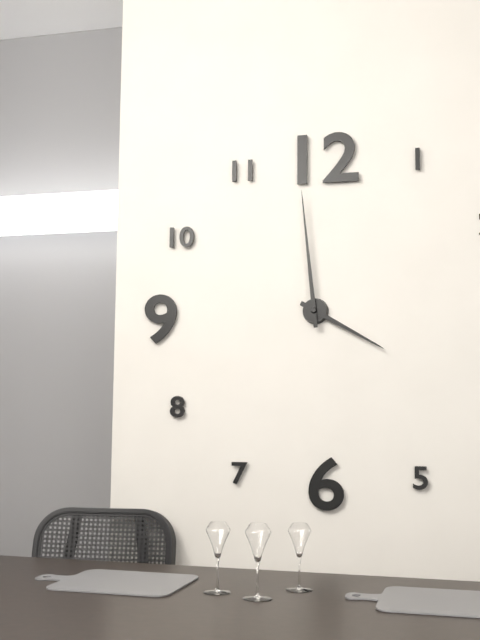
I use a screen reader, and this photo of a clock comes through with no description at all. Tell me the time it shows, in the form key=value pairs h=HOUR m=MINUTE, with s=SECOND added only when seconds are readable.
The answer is h=3 m=59
